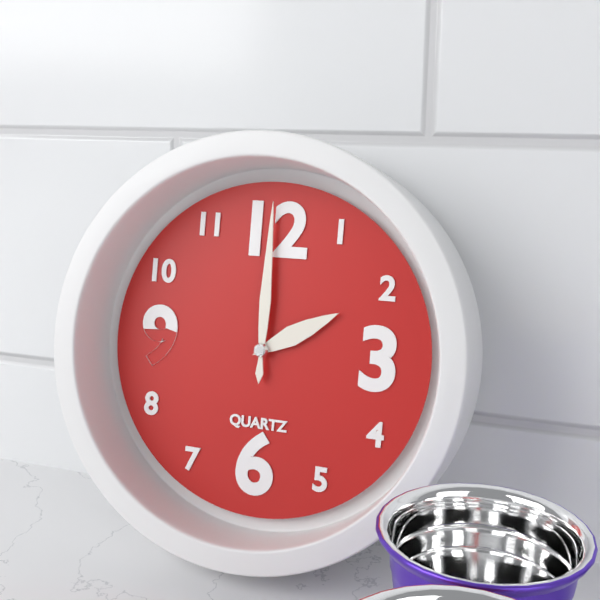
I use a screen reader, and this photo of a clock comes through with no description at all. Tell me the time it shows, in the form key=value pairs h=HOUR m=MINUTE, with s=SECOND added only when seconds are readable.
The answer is h=2 m=0
